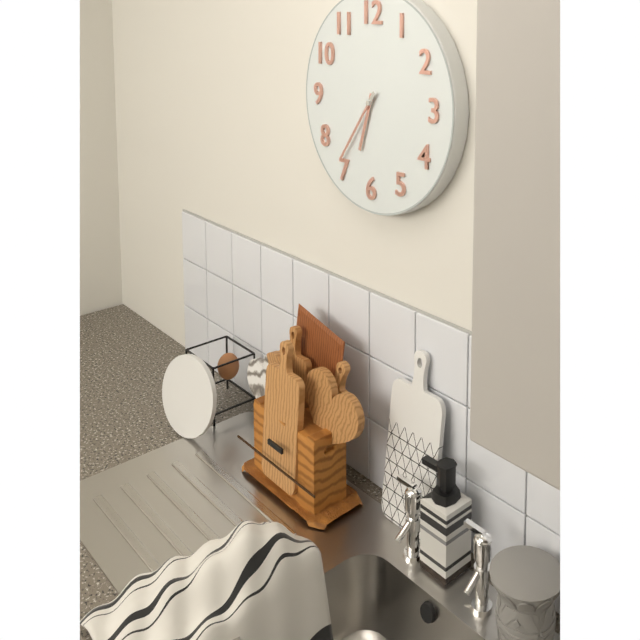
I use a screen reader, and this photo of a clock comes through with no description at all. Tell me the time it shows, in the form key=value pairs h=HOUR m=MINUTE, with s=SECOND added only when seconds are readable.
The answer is h=6 m=36
